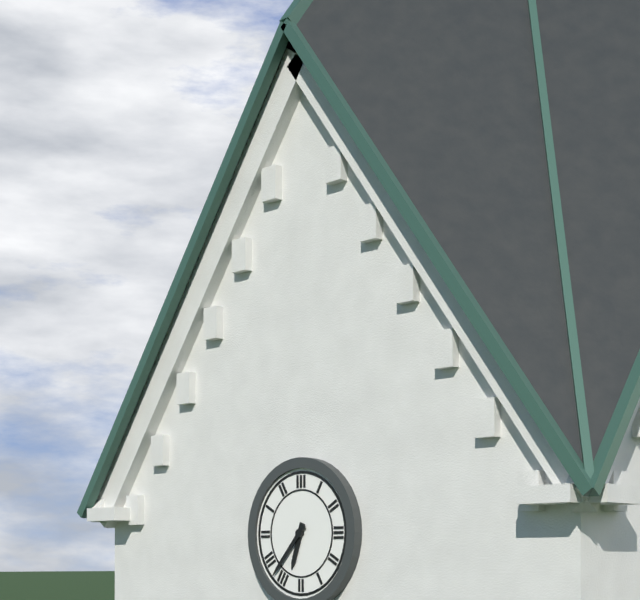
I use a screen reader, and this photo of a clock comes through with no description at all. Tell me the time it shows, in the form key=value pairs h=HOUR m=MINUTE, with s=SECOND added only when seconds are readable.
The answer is h=6 m=37
